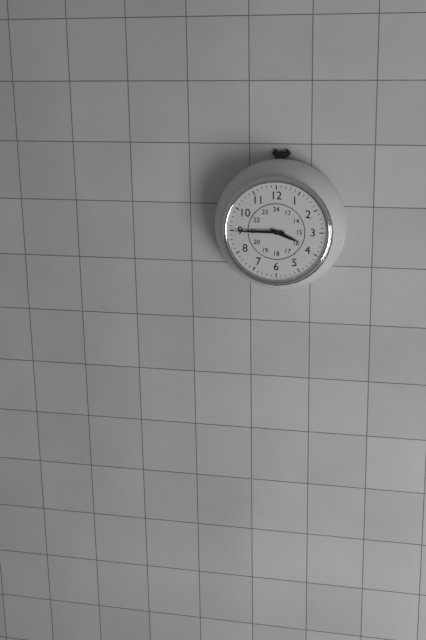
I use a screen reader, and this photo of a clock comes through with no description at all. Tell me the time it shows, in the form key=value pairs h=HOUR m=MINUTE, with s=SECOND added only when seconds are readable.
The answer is h=3 m=45
